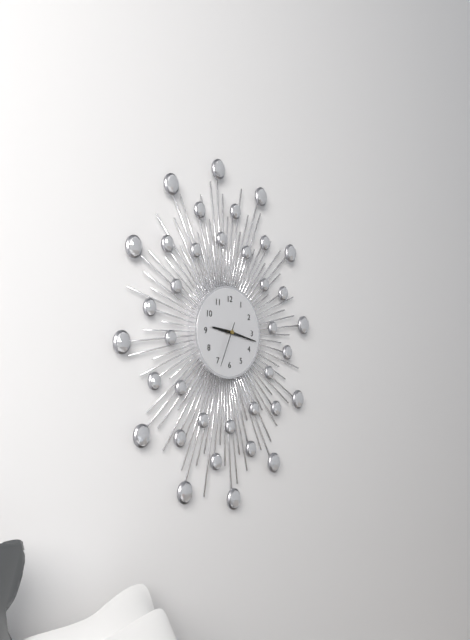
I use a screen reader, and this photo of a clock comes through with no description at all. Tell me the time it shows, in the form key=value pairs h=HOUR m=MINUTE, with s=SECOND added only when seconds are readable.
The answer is h=9 m=17
